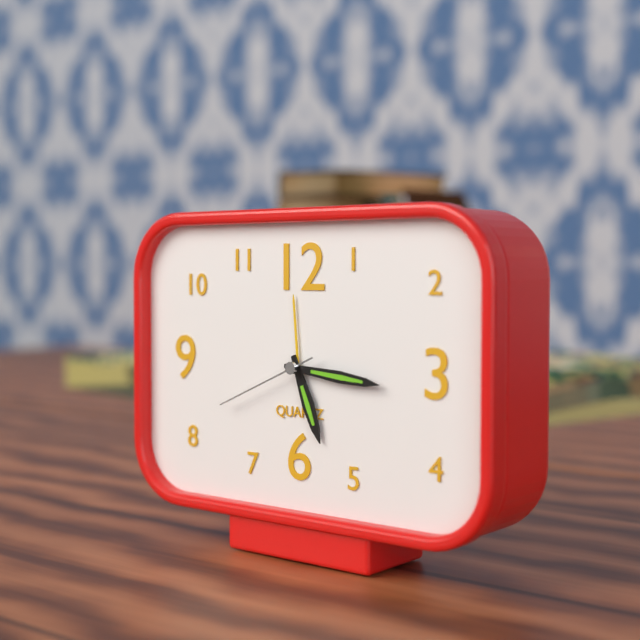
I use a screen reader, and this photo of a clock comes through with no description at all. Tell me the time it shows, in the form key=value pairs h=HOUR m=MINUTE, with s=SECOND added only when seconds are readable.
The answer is h=5 m=16 s=41
